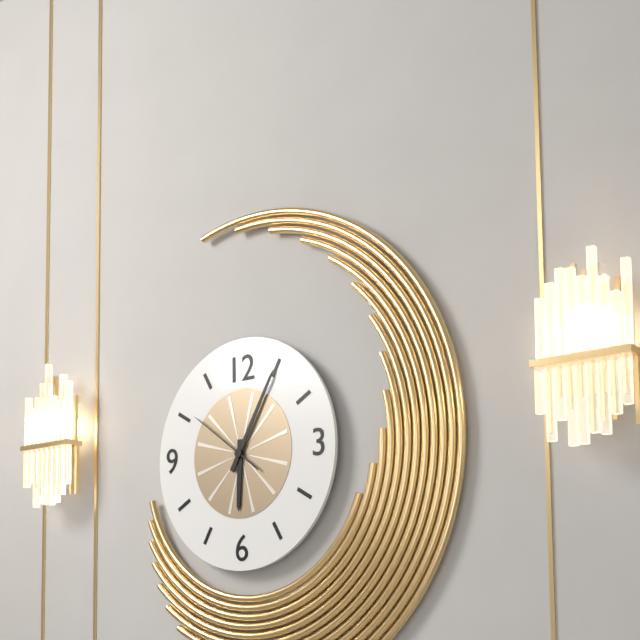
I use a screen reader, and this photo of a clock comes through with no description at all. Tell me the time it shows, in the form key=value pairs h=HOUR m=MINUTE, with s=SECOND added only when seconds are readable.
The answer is h=6 m=5 s=51
